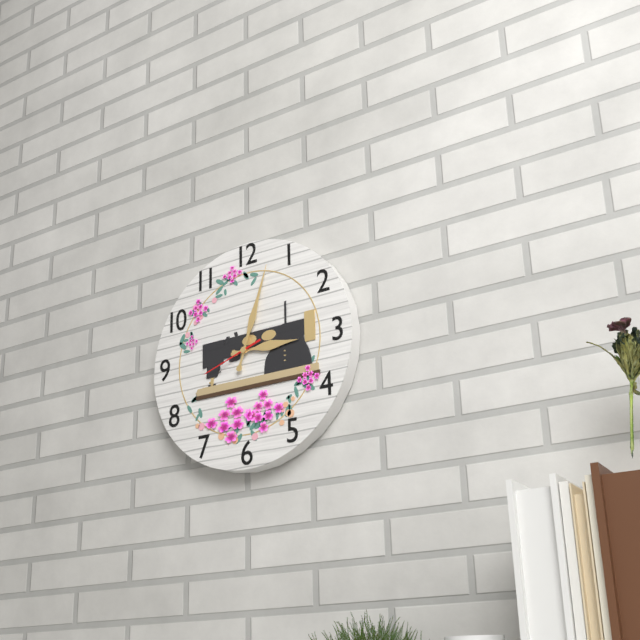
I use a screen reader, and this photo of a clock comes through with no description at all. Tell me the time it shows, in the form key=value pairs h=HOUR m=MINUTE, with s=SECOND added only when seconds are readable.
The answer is h=3 m=3 s=42
